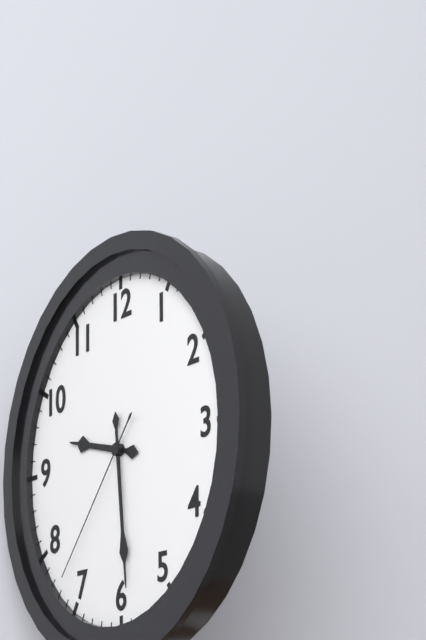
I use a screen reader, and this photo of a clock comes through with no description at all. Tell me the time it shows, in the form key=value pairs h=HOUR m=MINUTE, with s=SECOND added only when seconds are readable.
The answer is h=9 m=29 s=37
